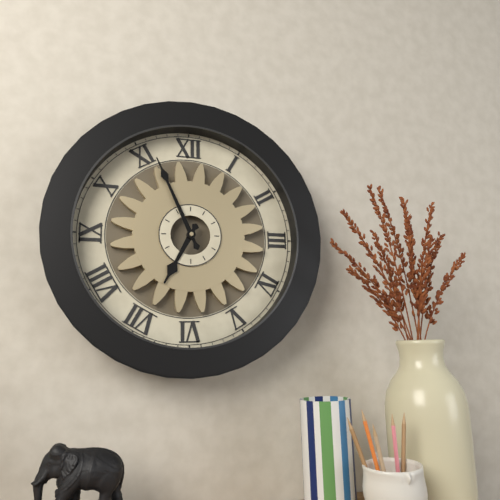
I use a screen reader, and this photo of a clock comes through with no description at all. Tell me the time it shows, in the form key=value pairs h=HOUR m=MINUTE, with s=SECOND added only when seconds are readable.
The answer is h=6 m=56
